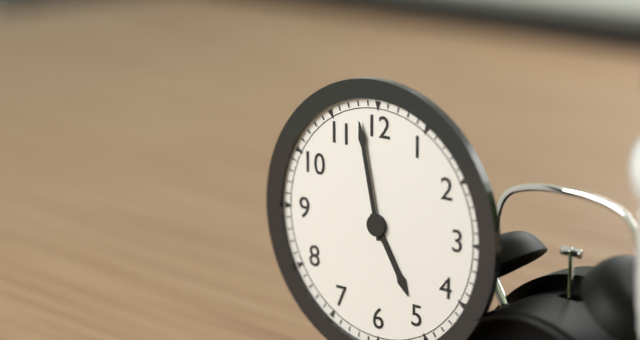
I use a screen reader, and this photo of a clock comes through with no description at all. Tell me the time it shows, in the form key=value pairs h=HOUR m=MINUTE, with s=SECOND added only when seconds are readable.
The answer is h=4 m=58
